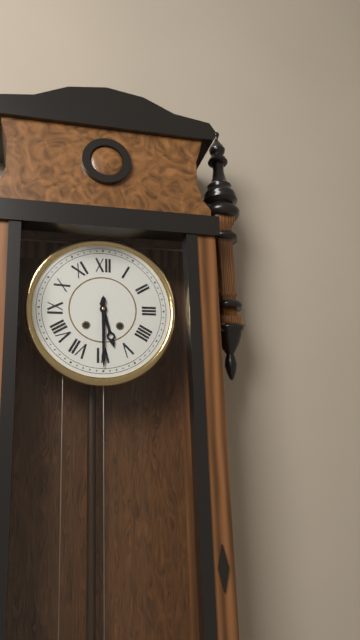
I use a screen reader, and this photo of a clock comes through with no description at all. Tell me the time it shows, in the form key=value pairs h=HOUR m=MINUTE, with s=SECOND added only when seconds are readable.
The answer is h=5 m=30
